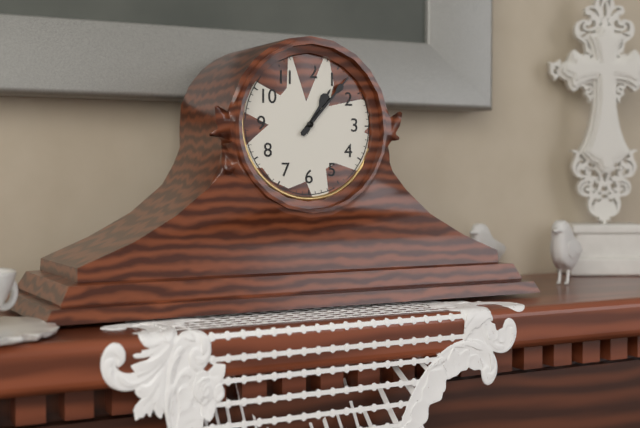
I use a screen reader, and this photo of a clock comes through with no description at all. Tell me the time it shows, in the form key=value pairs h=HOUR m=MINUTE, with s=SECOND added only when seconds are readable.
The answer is h=1 m=7
